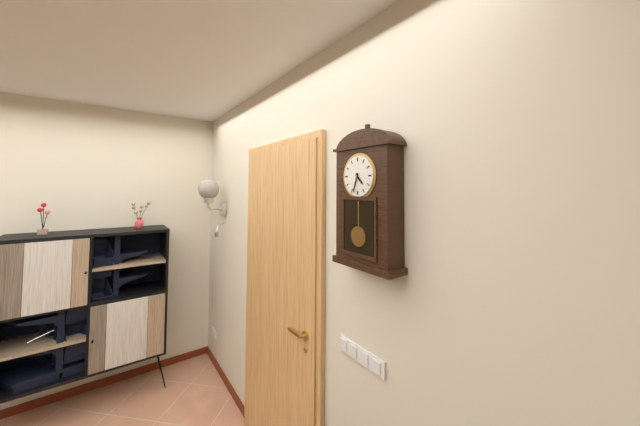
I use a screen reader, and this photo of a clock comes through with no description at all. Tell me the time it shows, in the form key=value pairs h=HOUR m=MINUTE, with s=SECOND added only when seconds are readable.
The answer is h=4 m=33
